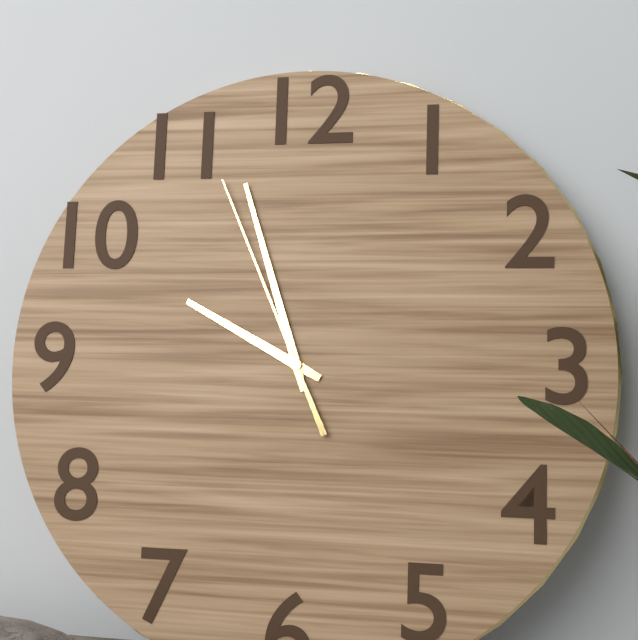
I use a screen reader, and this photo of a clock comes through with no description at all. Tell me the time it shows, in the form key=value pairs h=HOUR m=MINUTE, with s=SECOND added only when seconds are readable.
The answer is h=9 m=57 s=56
